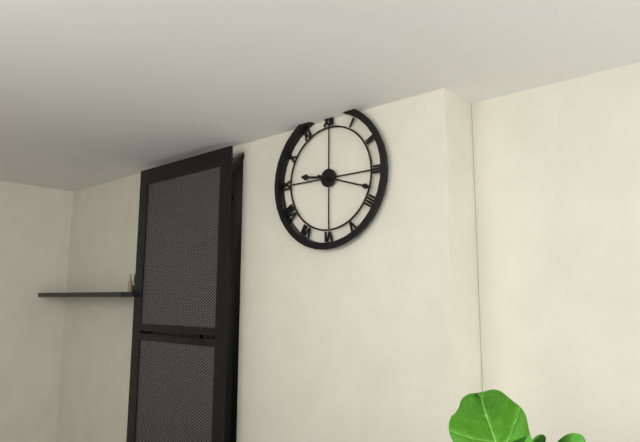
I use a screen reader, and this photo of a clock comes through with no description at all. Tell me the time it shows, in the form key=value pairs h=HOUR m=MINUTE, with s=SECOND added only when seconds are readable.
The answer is h=9 m=18
